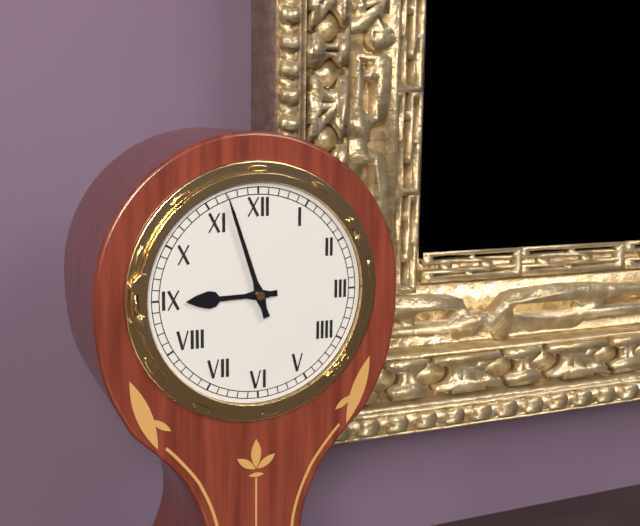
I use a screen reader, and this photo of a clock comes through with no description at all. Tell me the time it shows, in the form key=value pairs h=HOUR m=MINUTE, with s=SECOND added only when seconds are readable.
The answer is h=8 m=57
